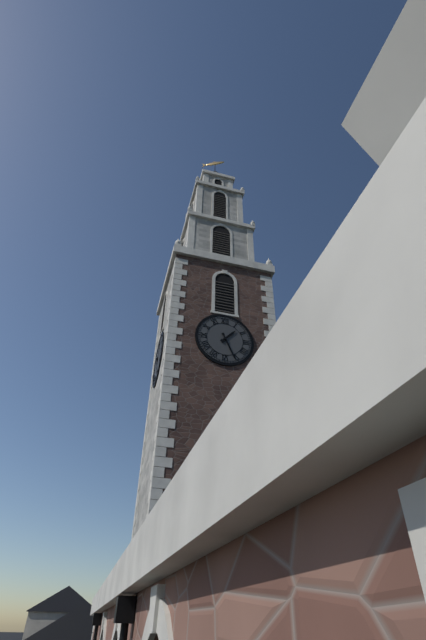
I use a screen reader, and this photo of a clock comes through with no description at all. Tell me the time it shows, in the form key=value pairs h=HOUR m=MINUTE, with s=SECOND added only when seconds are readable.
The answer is h=1 m=26
